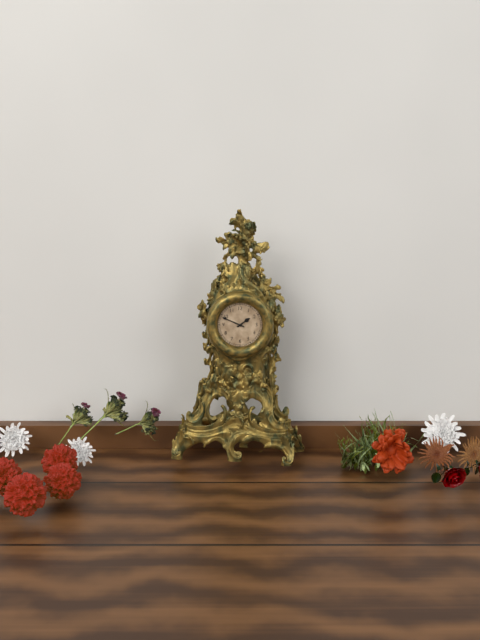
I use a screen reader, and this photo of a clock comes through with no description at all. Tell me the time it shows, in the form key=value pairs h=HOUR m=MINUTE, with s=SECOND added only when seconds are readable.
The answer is h=1 m=49
